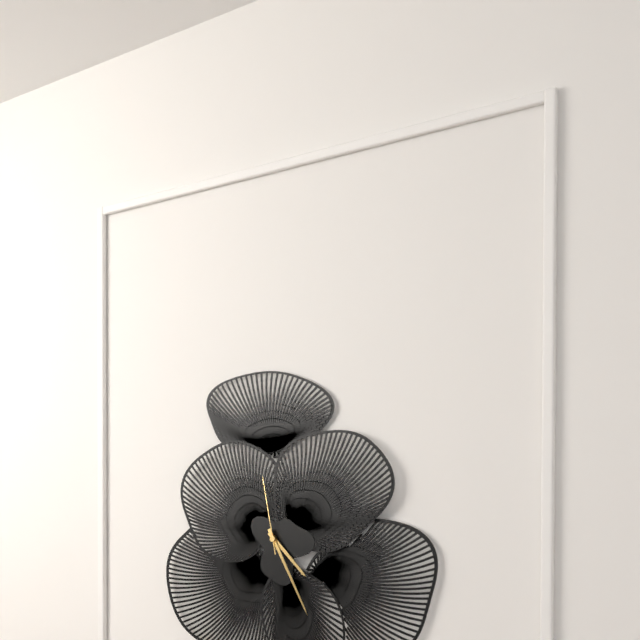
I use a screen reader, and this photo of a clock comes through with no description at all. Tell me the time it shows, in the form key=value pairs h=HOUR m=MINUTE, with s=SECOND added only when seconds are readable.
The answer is h=4 m=25 s=58
